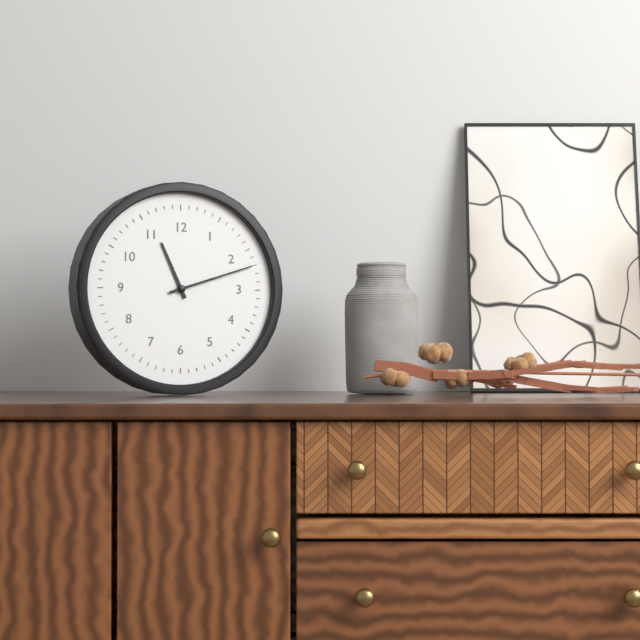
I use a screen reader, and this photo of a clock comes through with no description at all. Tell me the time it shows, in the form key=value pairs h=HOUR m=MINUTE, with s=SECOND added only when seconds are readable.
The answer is h=11 m=12
